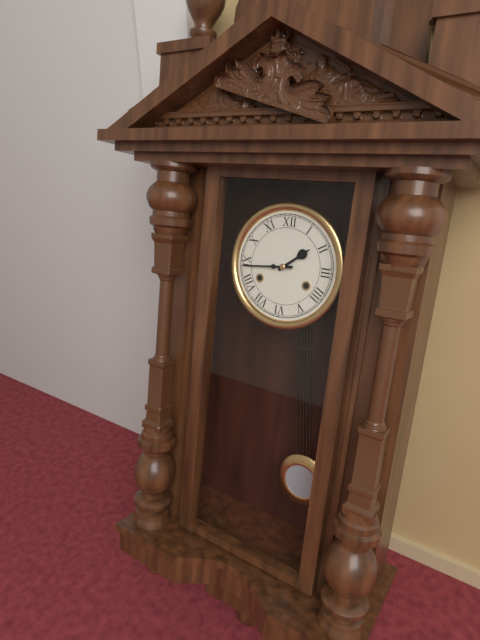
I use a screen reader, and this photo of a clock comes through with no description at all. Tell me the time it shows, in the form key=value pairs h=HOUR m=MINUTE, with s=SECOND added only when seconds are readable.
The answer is h=1 m=44
